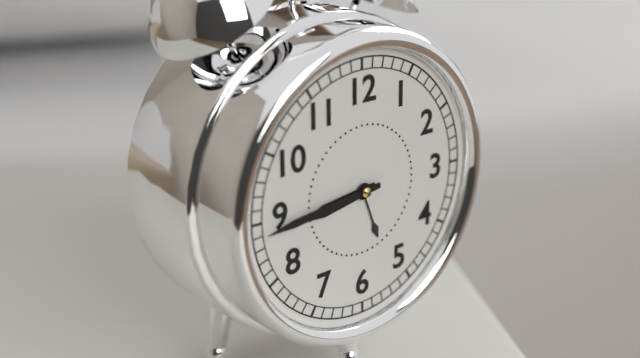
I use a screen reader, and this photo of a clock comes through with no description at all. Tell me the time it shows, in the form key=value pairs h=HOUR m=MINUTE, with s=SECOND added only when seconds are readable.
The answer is h=8 m=44
